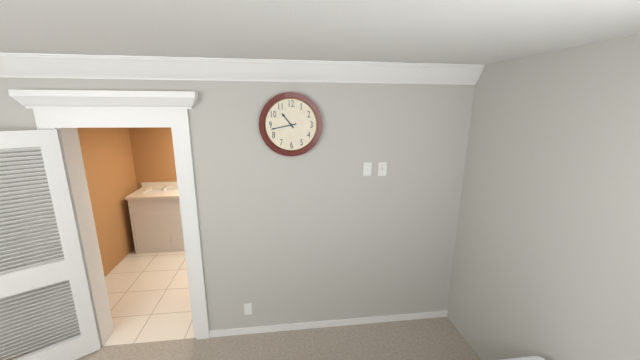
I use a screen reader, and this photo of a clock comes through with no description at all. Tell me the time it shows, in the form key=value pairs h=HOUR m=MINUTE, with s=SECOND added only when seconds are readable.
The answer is h=10 m=43
